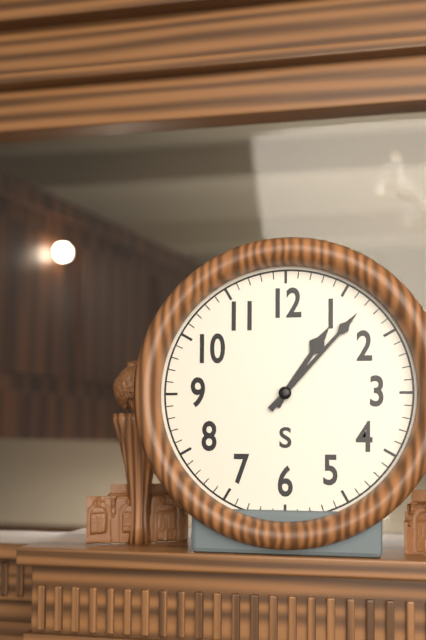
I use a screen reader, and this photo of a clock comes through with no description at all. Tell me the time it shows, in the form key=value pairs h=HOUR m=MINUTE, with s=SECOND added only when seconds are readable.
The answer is h=1 m=7
